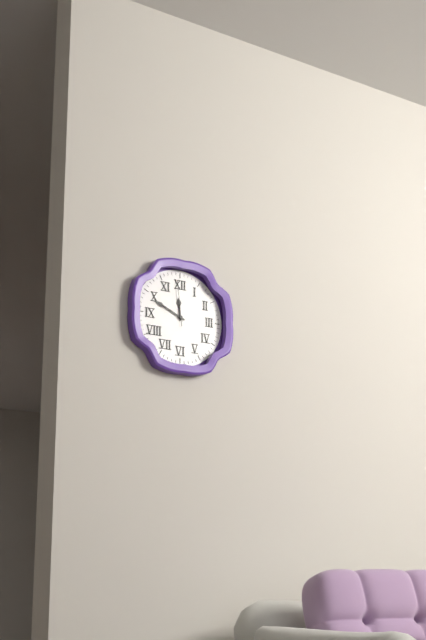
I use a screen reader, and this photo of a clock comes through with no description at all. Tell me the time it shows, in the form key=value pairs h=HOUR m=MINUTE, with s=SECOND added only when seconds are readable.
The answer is h=11 m=49
